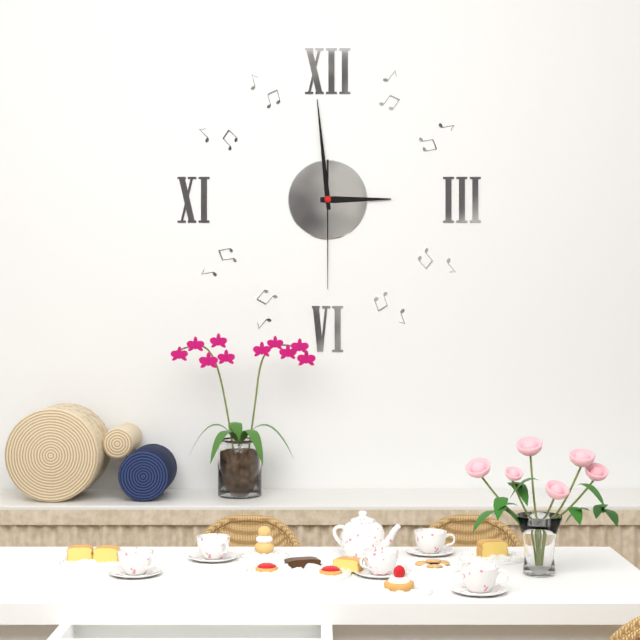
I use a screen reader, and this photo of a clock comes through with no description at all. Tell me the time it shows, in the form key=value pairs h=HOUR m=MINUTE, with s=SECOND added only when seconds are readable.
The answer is h=2 m=59 s=30
